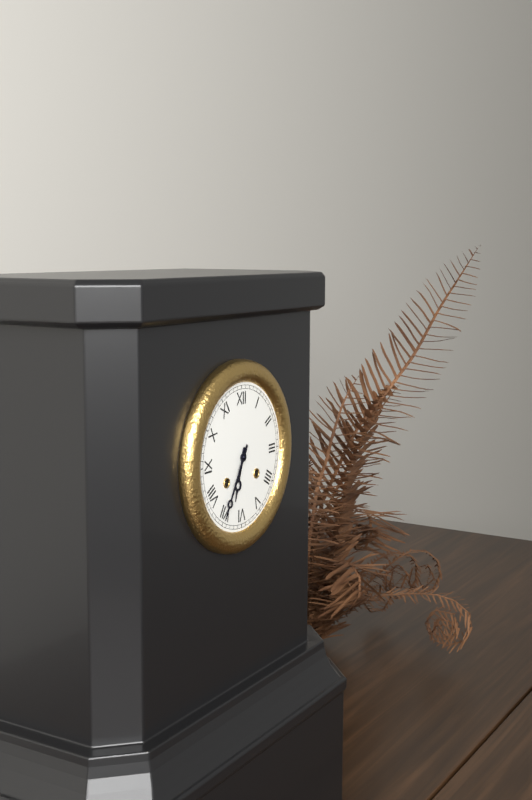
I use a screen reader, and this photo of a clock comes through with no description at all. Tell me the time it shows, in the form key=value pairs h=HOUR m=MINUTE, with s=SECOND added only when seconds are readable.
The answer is h=6 m=35
